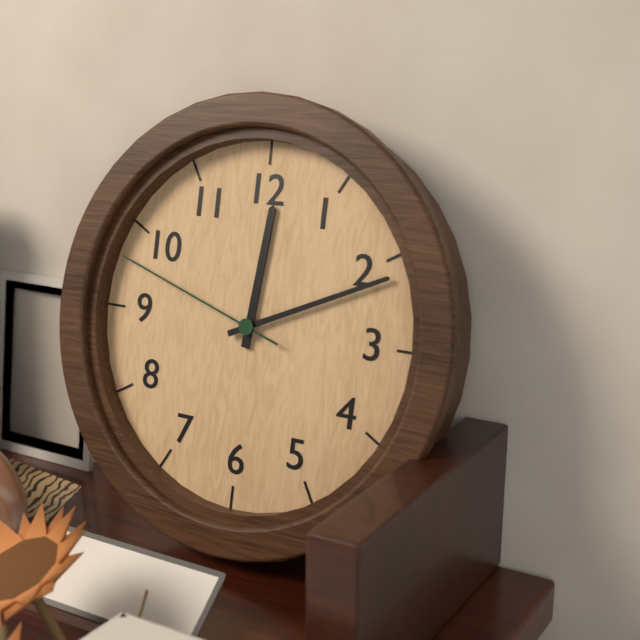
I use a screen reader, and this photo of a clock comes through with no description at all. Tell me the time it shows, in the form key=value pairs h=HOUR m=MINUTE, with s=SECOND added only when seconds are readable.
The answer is h=12 m=11 s=48
